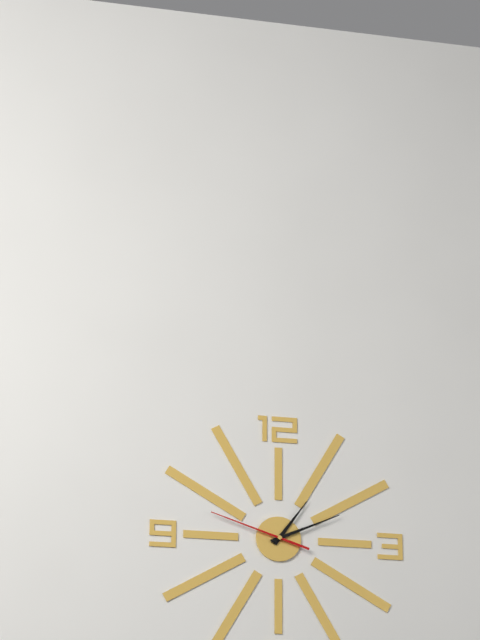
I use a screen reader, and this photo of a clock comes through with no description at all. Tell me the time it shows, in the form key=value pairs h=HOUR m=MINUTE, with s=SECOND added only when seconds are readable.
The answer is h=1 m=11 s=48
